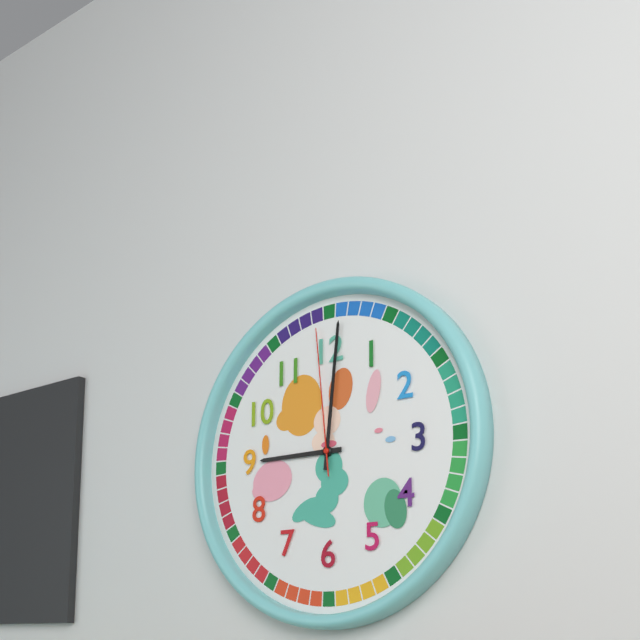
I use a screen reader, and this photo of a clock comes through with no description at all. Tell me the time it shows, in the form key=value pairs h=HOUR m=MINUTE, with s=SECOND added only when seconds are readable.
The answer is h=9 m=1 s=59
